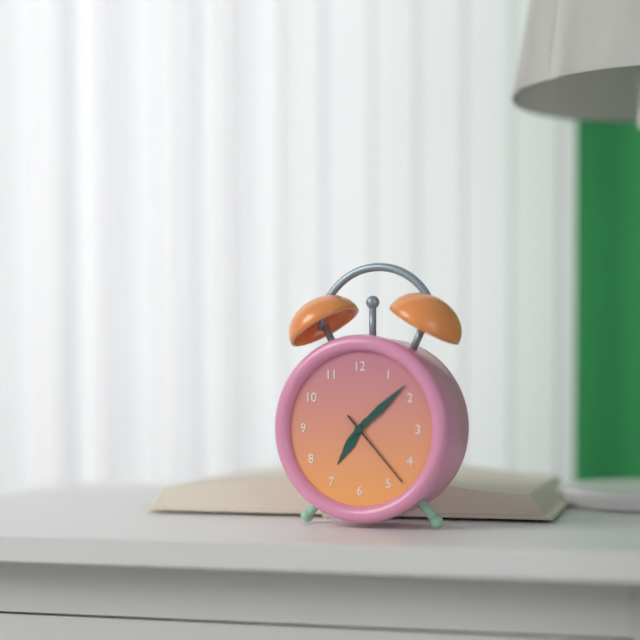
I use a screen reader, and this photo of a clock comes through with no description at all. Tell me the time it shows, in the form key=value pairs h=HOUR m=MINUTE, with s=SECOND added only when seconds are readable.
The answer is h=7 m=8 s=23
